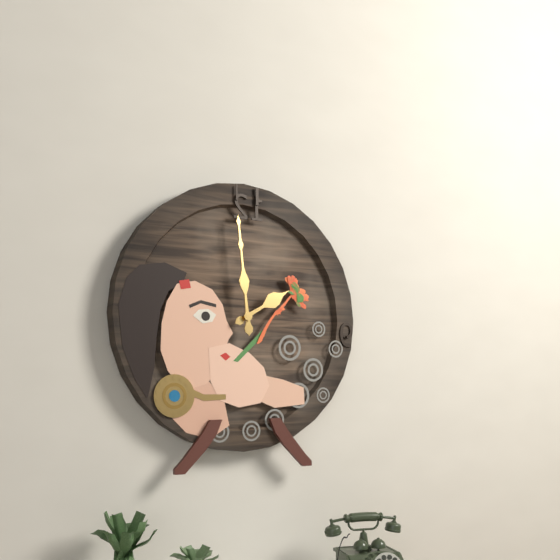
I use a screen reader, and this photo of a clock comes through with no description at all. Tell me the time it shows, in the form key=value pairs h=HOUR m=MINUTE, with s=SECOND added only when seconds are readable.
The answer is h=1 m=59
